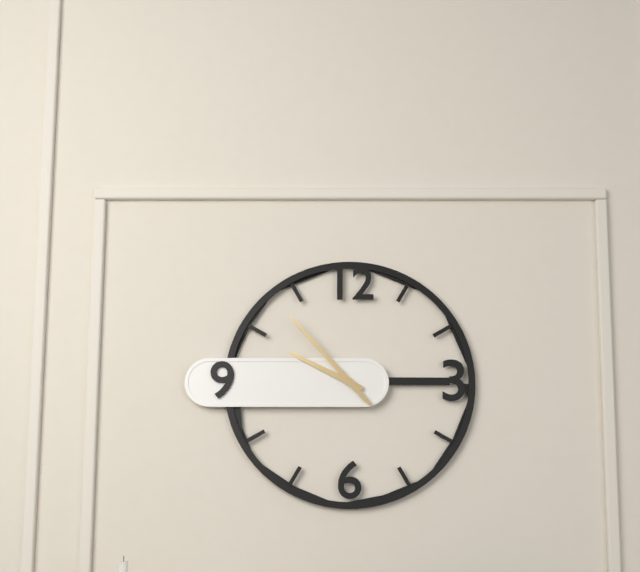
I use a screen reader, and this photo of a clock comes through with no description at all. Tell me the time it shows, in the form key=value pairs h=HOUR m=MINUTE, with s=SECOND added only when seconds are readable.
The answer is h=9 m=53
